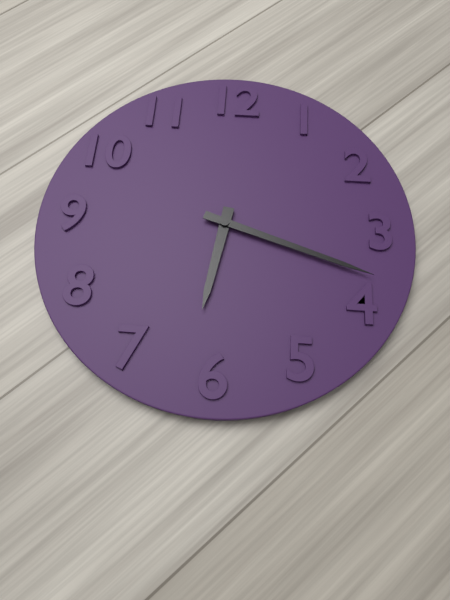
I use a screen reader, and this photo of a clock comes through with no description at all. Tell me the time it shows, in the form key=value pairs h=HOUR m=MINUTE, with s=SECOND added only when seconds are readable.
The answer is h=6 m=18
